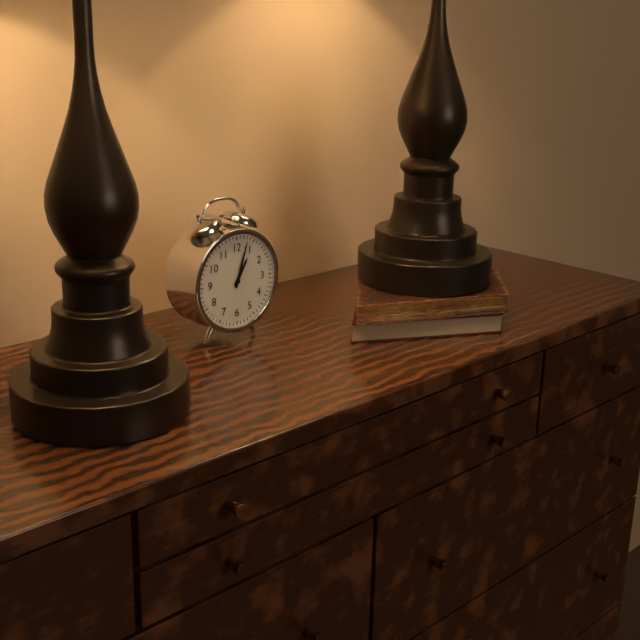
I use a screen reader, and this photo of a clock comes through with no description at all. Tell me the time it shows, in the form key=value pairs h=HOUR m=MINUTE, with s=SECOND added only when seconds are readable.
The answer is h=1 m=3
